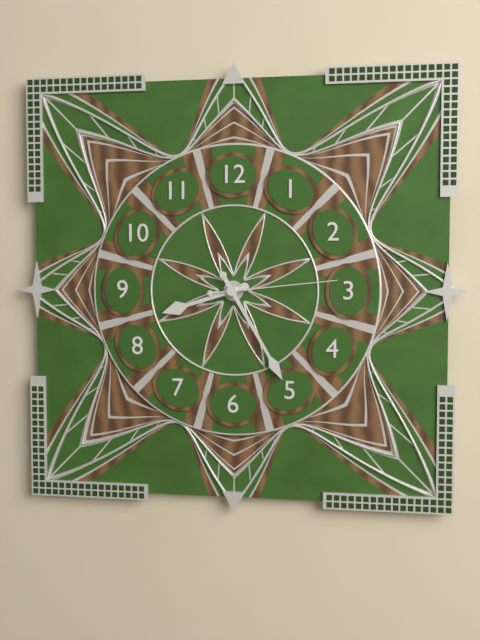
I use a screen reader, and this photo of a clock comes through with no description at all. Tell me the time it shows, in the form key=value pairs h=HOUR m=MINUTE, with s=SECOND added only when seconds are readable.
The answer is h=8 m=25 s=14
